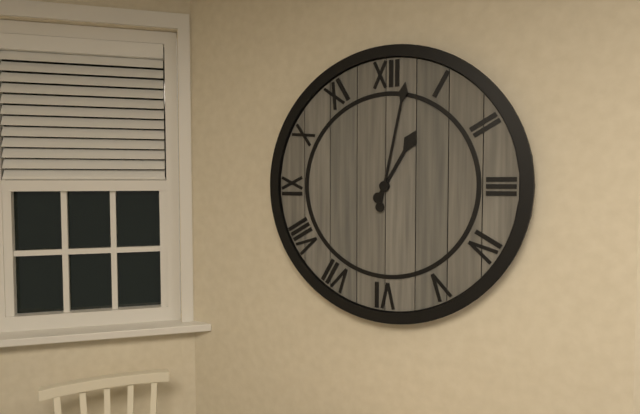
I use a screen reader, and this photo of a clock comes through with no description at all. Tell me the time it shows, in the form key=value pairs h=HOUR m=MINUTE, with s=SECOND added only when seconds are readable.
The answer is h=1 m=2
